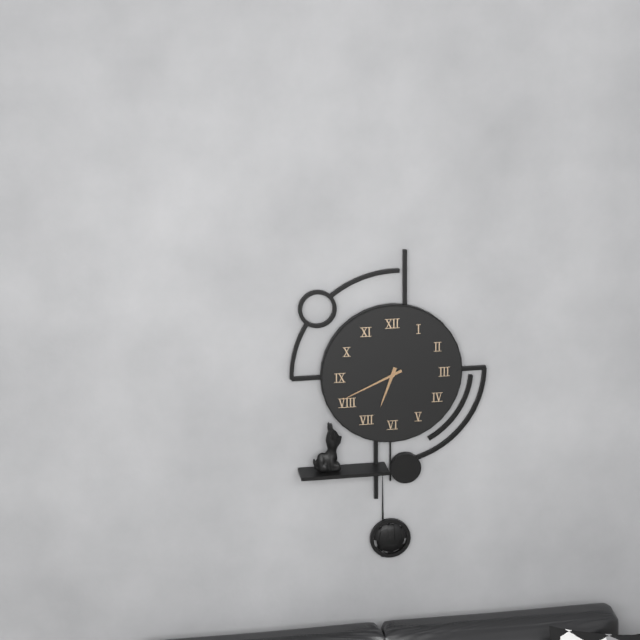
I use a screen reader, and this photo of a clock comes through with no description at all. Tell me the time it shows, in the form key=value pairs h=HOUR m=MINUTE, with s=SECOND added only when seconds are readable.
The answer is h=6 m=41
